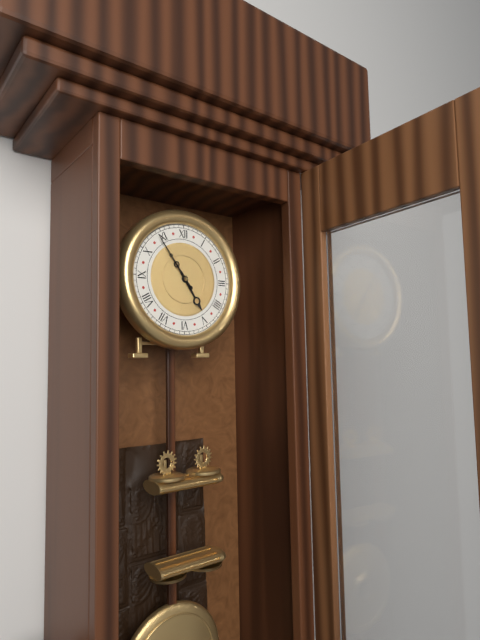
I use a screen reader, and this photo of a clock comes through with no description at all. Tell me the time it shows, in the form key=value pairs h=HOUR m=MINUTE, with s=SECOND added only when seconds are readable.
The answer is h=4 m=54
